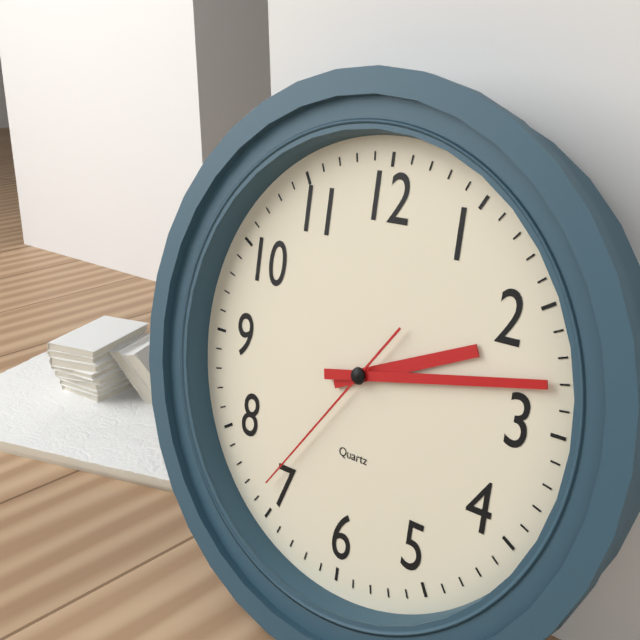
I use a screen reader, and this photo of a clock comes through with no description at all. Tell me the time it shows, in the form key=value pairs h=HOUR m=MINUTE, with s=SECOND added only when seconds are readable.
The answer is h=2 m=13 s=36
